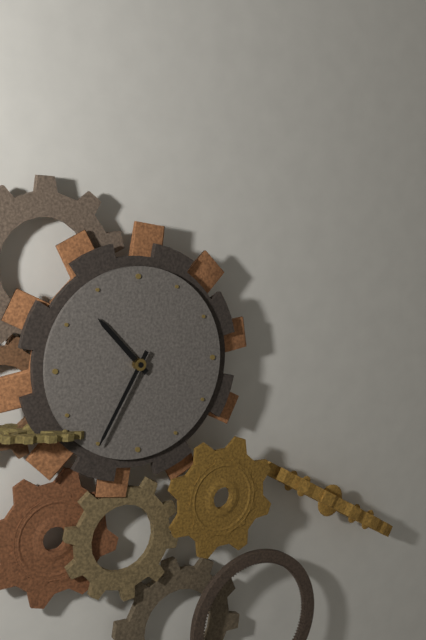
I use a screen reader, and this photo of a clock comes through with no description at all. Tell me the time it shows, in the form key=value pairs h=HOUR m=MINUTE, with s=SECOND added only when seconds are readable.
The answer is h=10 m=35
